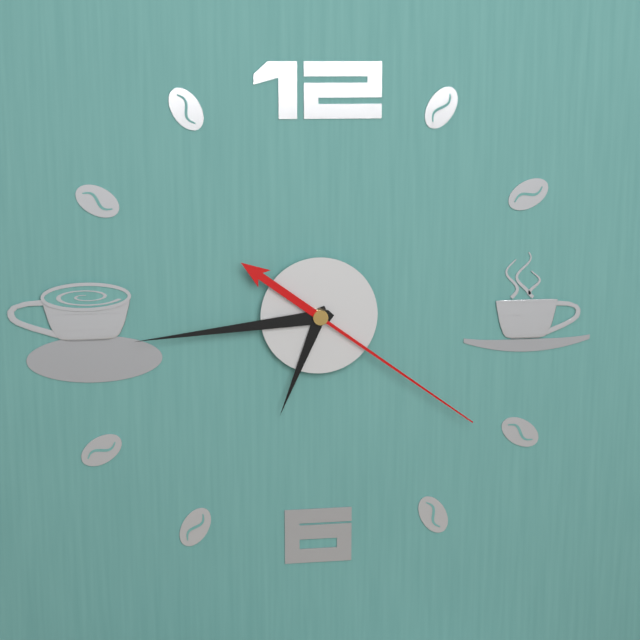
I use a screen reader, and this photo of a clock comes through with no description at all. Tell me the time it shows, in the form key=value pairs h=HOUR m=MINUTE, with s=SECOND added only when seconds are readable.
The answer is h=6 m=44 s=21
